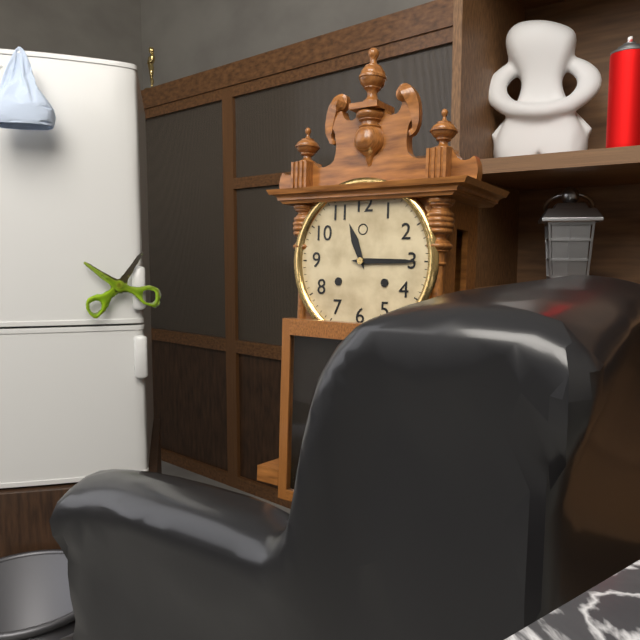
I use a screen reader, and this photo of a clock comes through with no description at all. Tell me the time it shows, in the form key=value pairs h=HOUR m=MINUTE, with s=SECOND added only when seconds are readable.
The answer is h=11 m=15
